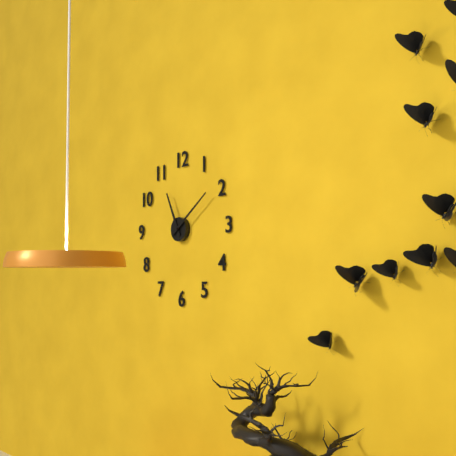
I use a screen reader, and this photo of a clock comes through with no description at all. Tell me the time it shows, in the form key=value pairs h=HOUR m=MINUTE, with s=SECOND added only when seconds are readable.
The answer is h=11 m=9
